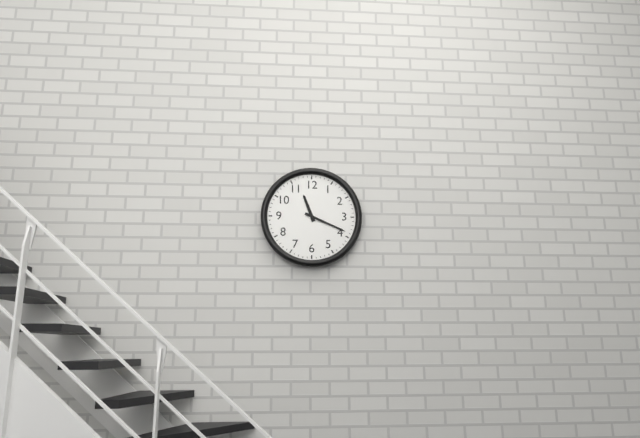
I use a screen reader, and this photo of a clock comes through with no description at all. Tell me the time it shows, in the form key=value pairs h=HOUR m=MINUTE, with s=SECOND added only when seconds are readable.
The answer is h=11 m=19
